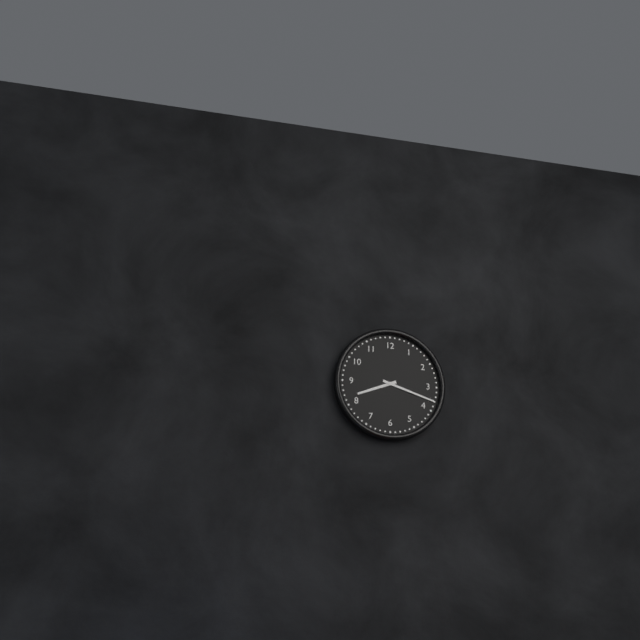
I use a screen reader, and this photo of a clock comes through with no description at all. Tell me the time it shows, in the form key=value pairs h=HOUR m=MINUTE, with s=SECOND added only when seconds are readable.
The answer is h=8 m=18
